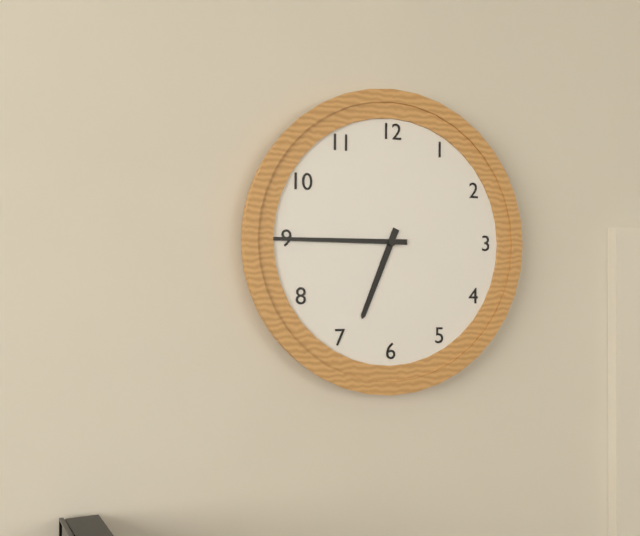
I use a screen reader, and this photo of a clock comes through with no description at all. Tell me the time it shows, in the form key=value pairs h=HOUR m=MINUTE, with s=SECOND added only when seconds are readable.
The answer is h=6 m=45
